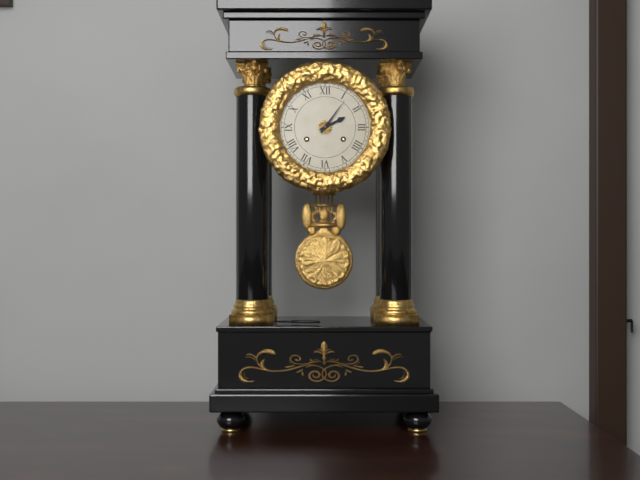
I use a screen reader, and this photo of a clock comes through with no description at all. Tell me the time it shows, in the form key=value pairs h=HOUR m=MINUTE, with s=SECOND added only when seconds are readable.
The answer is h=2 m=6
